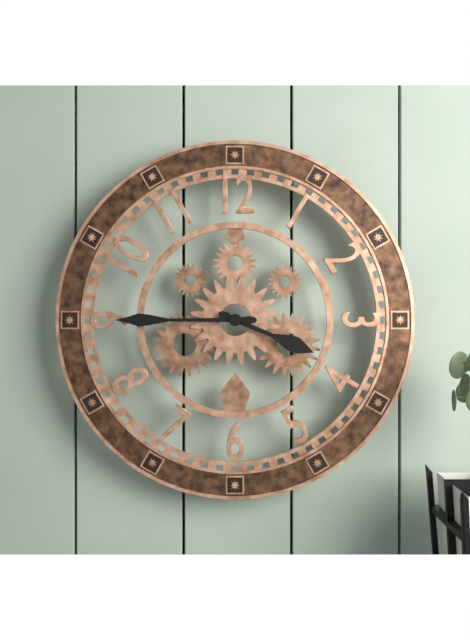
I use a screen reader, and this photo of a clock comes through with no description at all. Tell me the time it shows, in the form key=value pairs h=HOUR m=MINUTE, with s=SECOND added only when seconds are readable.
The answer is h=3 m=45
